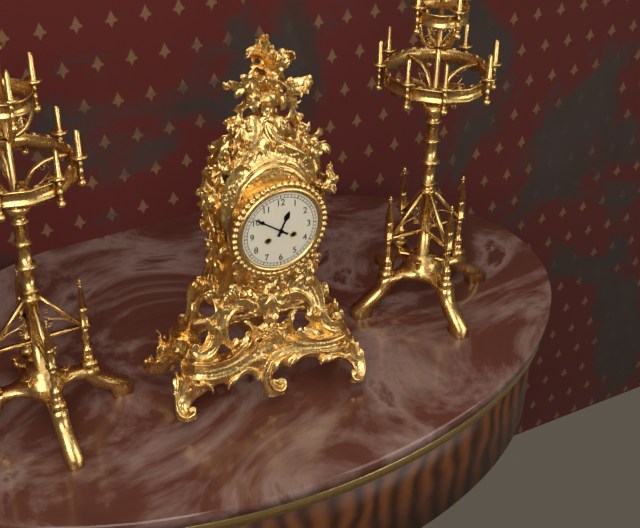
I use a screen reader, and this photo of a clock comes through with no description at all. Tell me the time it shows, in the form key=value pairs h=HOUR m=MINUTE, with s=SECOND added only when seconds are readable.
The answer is h=12 m=51
